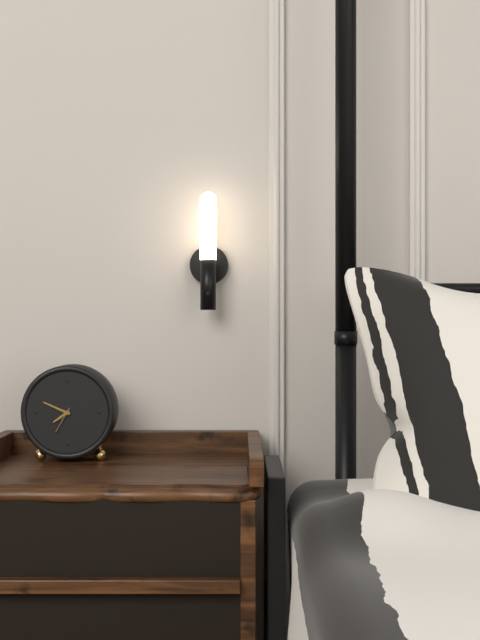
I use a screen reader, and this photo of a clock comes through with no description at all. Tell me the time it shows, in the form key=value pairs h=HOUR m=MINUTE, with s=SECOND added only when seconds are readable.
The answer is h=7 m=49
